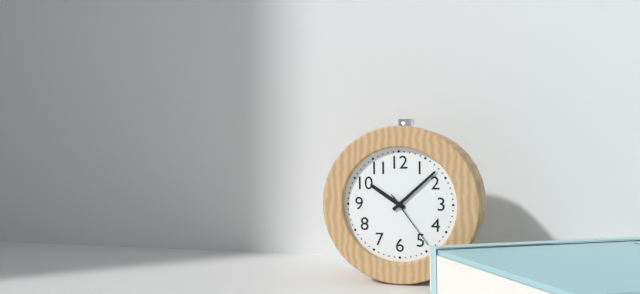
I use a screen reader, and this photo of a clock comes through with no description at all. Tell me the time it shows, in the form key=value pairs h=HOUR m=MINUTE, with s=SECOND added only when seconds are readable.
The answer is h=10 m=8 s=24
